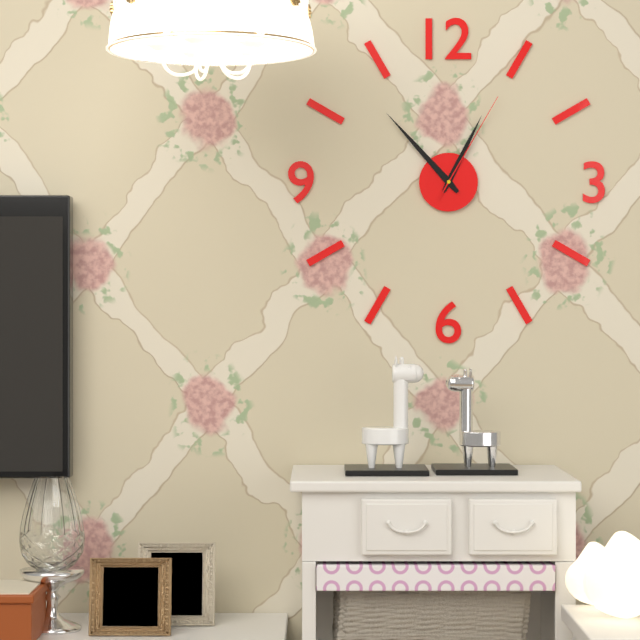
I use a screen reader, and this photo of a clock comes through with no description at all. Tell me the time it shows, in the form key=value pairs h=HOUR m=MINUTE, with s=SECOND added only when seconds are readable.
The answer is h=12 m=53 s=5
